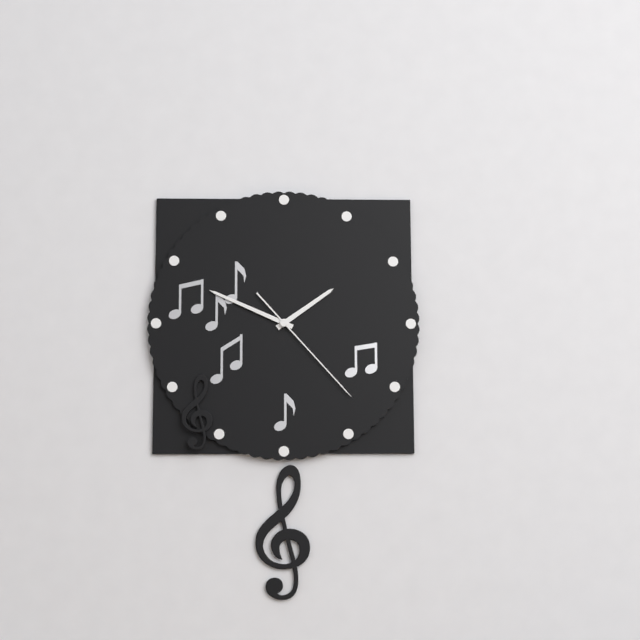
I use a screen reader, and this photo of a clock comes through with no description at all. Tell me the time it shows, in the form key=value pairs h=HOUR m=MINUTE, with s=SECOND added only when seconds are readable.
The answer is h=1 m=49 s=23
